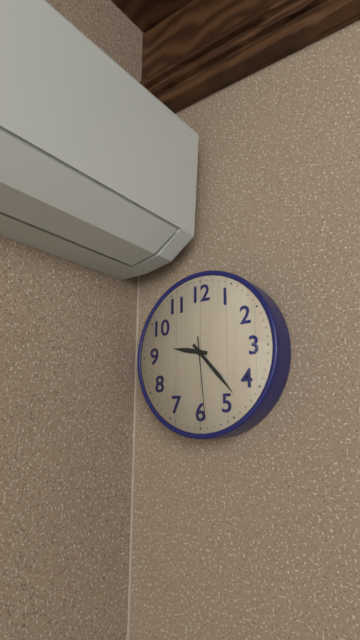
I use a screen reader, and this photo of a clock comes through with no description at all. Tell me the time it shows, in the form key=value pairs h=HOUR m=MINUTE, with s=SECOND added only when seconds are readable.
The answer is h=9 m=23 s=29
